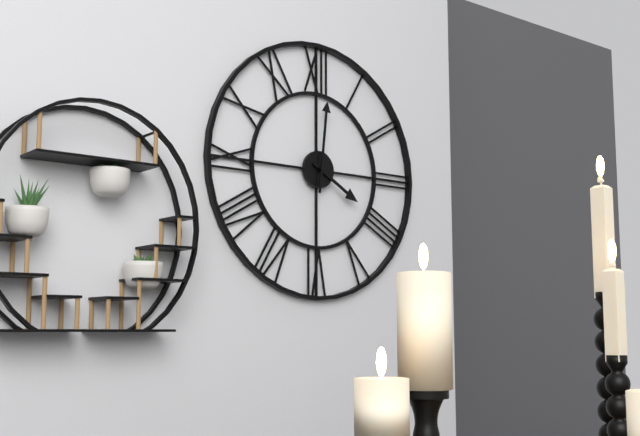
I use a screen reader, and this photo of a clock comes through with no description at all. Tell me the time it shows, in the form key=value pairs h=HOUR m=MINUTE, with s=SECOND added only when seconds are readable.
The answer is h=4 m=1
